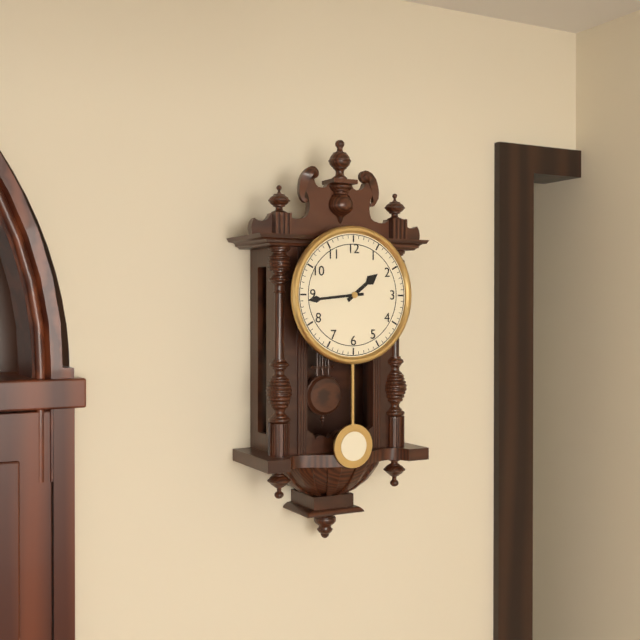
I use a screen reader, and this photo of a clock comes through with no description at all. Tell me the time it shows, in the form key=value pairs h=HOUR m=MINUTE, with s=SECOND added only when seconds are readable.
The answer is h=1 m=44
